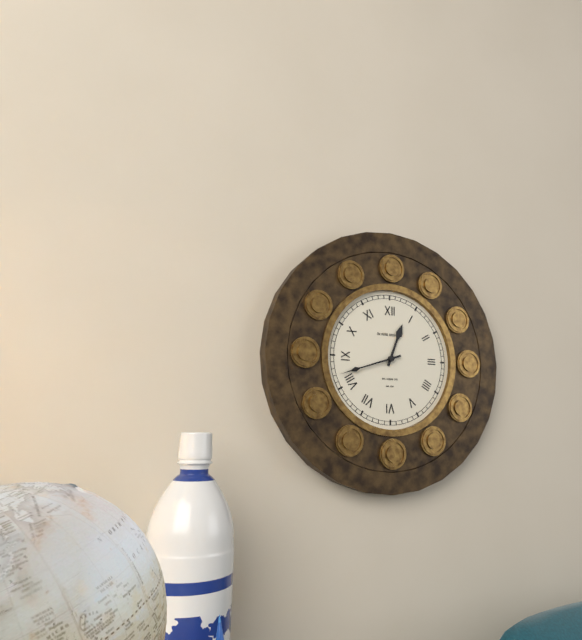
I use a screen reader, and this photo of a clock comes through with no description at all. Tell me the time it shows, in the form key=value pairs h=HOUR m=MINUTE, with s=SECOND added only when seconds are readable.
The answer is h=12 m=42
